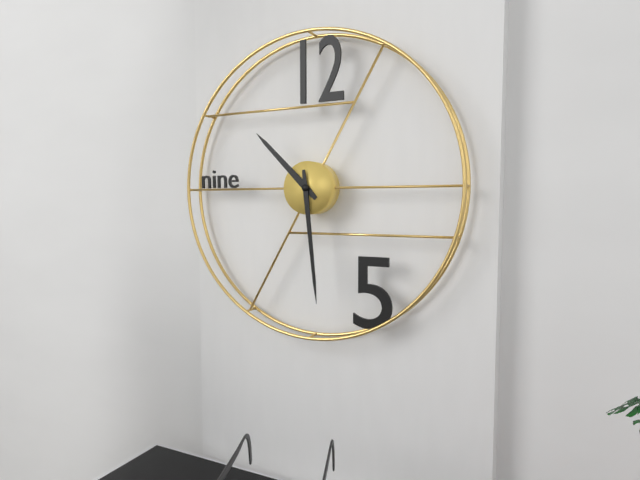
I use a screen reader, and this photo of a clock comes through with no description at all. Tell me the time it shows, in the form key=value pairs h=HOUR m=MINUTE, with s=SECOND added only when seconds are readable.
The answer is h=10 m=29
